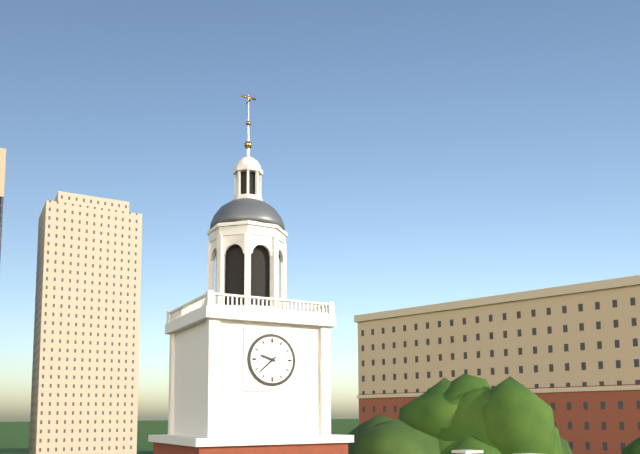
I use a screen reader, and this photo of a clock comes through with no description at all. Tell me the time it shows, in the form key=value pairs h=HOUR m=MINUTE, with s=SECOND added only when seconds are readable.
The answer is h=9 m=38
